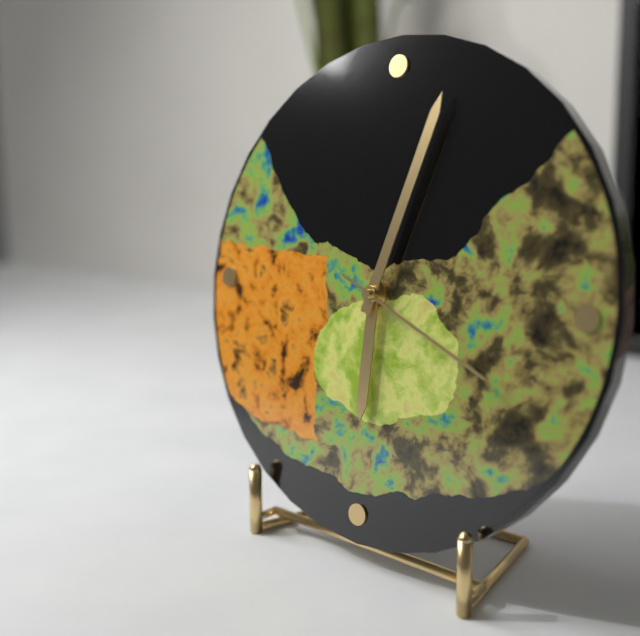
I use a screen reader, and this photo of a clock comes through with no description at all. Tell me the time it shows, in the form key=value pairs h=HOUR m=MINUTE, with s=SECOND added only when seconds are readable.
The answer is h=6 m=3 s=19
